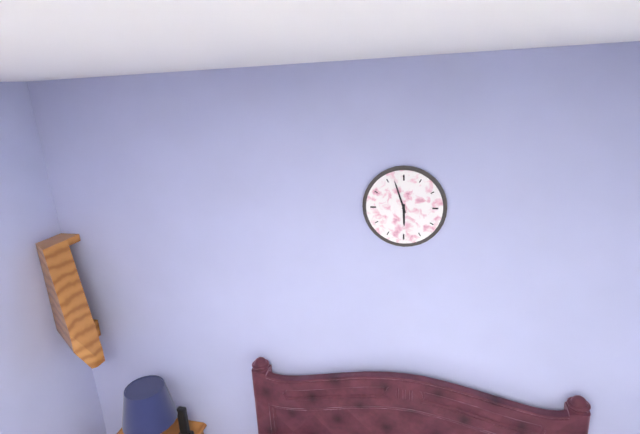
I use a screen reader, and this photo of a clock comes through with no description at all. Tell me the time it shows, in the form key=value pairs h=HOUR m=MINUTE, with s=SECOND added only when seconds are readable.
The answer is h=5 m=57
